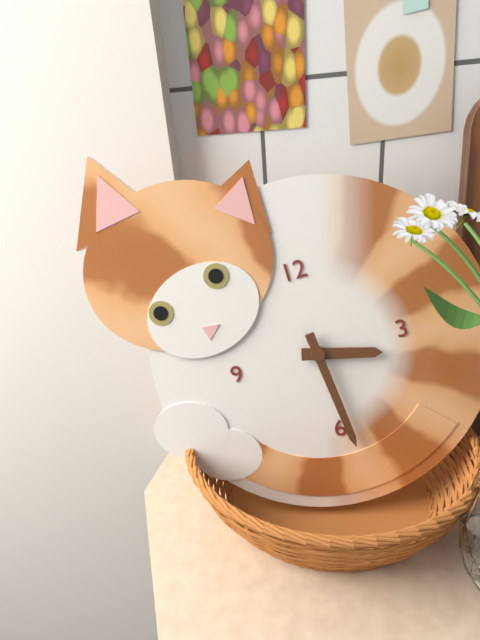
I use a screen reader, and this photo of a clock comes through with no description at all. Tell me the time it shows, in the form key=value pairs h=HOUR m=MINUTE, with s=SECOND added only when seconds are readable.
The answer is h=3 m=29
